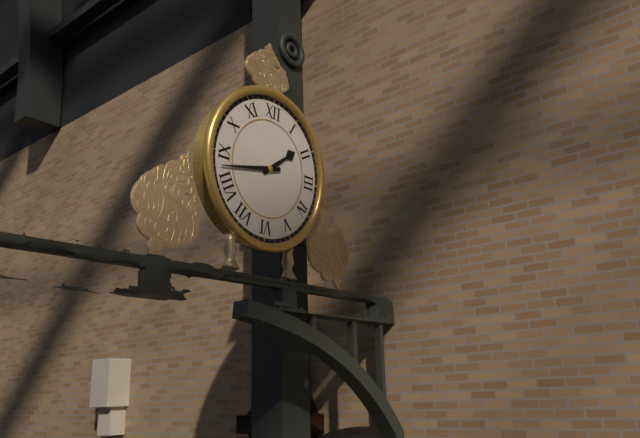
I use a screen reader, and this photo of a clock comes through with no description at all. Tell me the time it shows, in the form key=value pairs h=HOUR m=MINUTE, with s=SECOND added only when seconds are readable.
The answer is h=1 m=43
